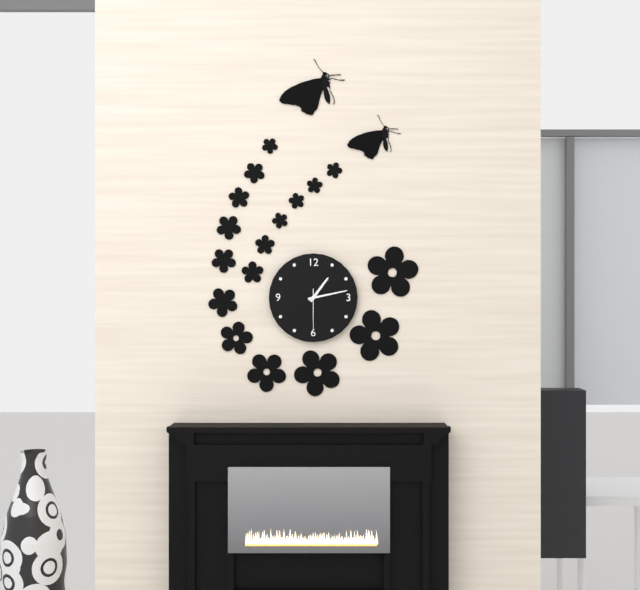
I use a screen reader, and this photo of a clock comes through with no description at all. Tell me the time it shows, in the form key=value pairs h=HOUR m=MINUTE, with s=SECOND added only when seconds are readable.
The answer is h=1 m=13
